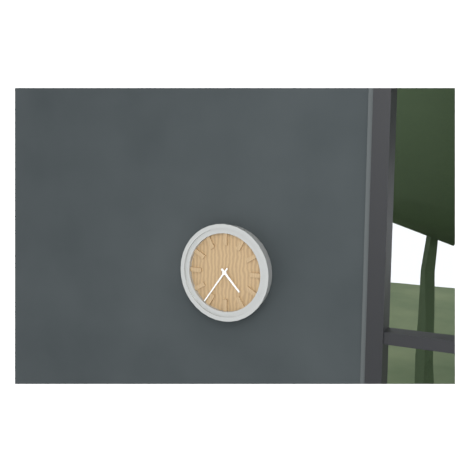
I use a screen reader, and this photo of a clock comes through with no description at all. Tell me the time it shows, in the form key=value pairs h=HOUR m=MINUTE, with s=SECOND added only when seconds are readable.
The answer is h=4 m=36
